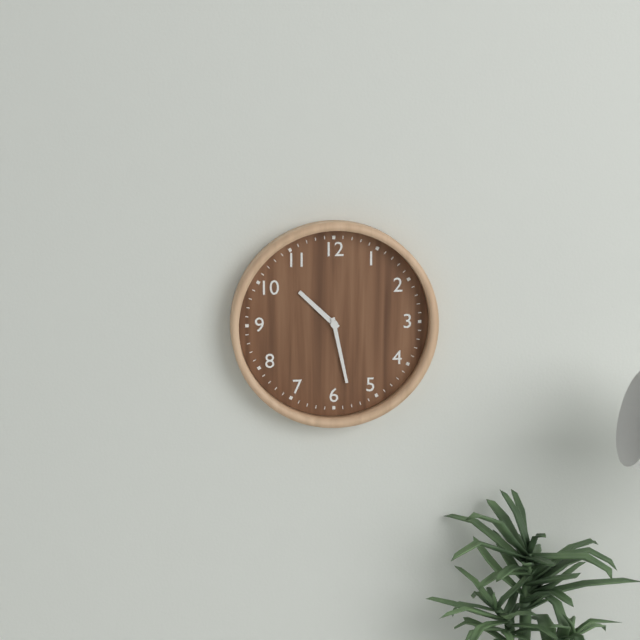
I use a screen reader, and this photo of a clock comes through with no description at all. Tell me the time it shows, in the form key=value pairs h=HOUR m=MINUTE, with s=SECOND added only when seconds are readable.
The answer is h=10 m=28
